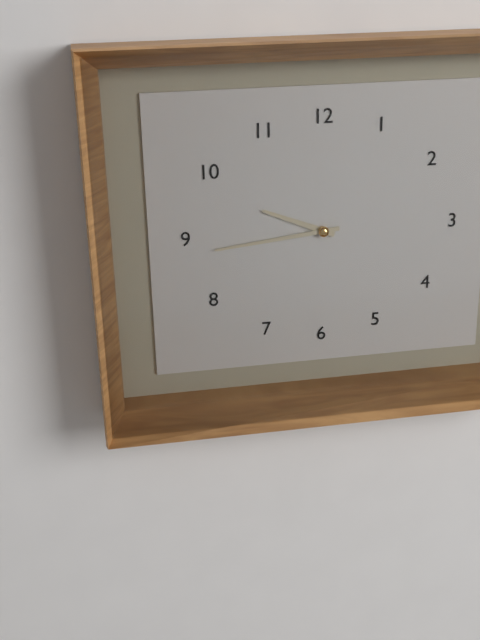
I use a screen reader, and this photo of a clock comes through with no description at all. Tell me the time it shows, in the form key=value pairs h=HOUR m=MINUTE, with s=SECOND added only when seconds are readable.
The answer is h=9 m=44
